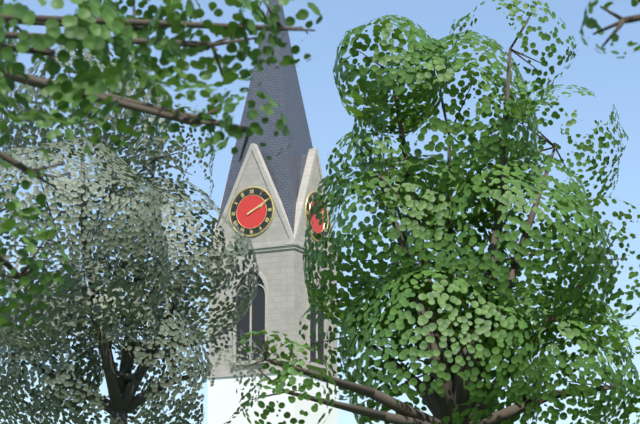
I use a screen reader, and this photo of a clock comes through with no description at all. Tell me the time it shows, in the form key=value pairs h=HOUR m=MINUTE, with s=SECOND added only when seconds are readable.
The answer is h=2 m=10
